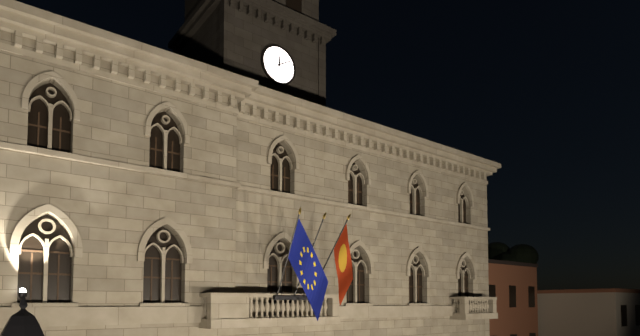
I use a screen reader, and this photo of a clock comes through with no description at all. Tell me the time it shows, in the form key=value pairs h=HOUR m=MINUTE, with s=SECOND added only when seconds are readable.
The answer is h=12 m=10
